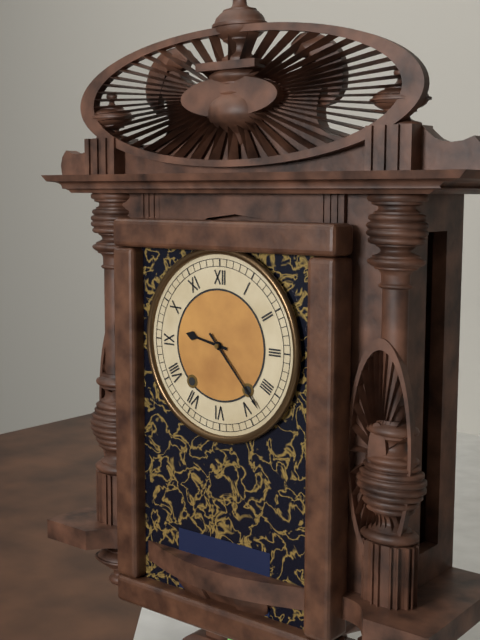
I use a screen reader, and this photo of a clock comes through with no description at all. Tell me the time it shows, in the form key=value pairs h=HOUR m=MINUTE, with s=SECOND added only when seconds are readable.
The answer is h=9 m=23
